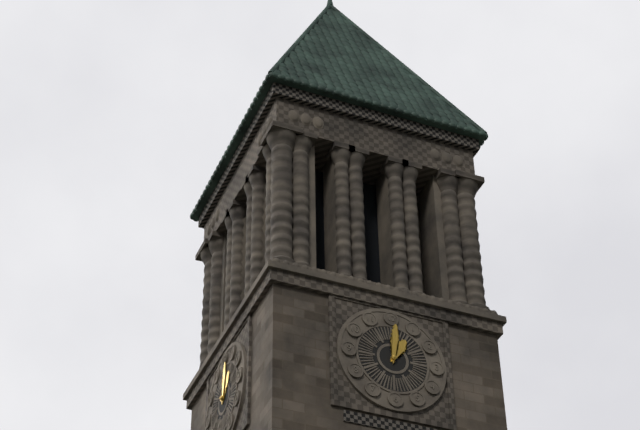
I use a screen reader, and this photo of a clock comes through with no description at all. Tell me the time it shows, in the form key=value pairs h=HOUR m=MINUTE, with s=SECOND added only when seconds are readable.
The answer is h=1 m=1
